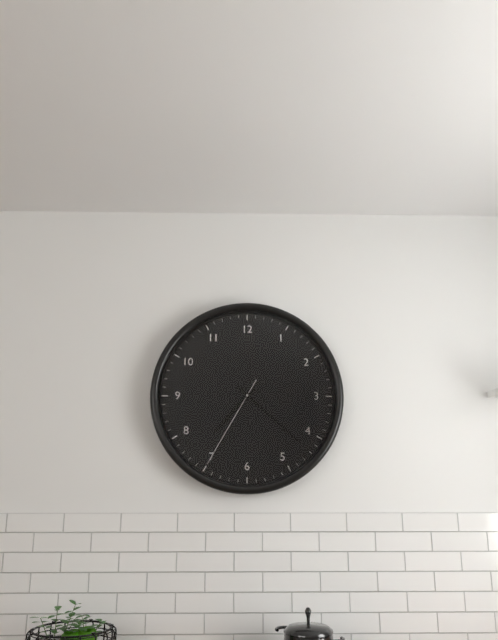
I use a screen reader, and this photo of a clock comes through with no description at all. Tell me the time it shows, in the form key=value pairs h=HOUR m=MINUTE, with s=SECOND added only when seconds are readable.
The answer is h=7 m=22 s=35
